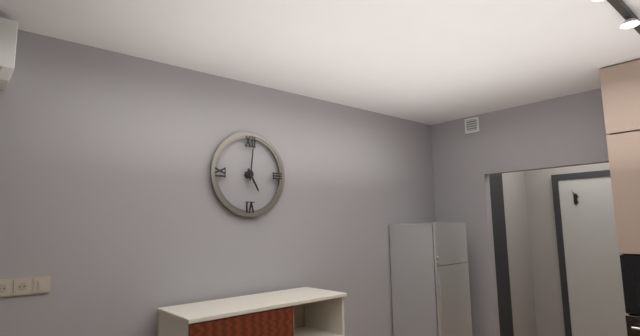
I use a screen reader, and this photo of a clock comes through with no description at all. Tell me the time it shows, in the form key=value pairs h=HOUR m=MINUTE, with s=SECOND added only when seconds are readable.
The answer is h=5 m=1
